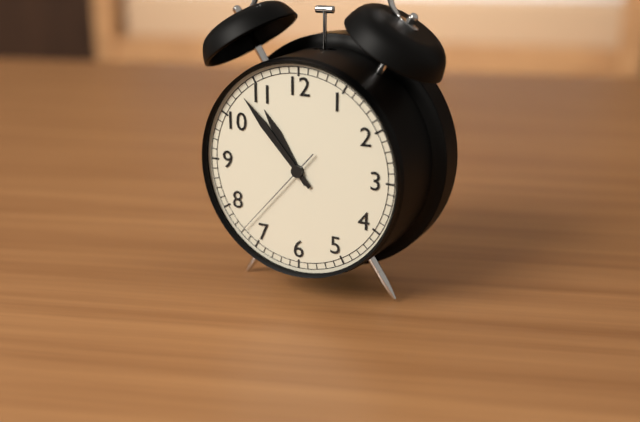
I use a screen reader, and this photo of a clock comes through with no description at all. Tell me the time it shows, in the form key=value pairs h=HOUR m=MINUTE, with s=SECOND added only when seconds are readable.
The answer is h=10 m=53 s=37
